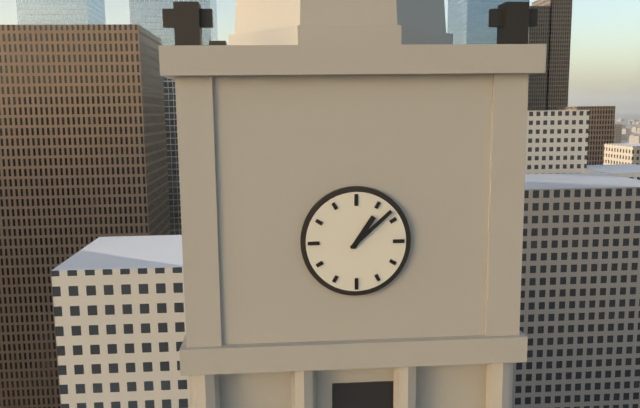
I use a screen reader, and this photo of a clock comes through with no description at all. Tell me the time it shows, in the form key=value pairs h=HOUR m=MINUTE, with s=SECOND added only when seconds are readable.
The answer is h=1 m=8
